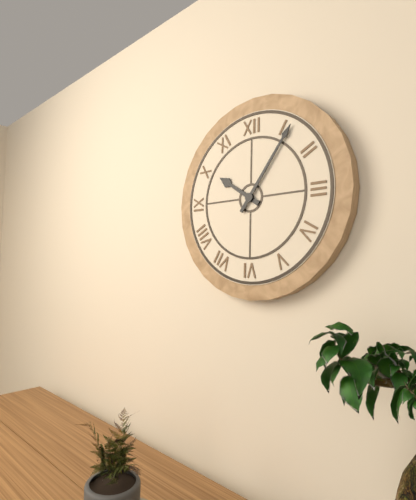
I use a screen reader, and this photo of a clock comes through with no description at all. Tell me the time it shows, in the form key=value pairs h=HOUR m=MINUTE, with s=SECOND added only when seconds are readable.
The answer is h=10 m=6
